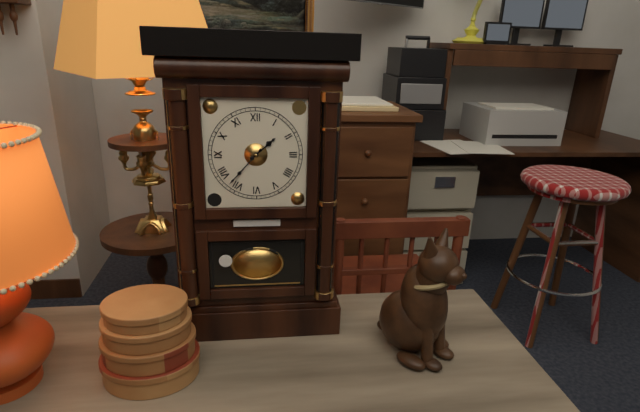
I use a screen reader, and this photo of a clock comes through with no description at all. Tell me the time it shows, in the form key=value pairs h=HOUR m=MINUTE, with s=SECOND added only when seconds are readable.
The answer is h=1 m=37
